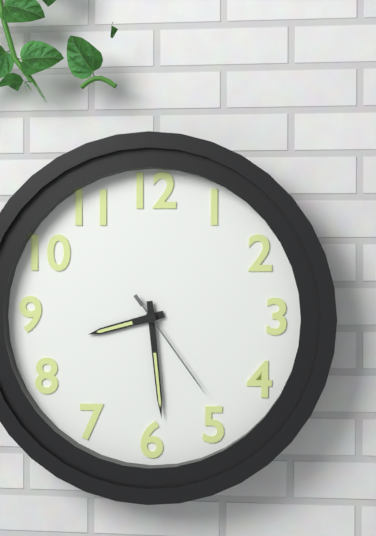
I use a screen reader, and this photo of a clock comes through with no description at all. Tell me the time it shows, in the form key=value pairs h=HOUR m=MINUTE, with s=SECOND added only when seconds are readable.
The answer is h=8 m=29 s=24
